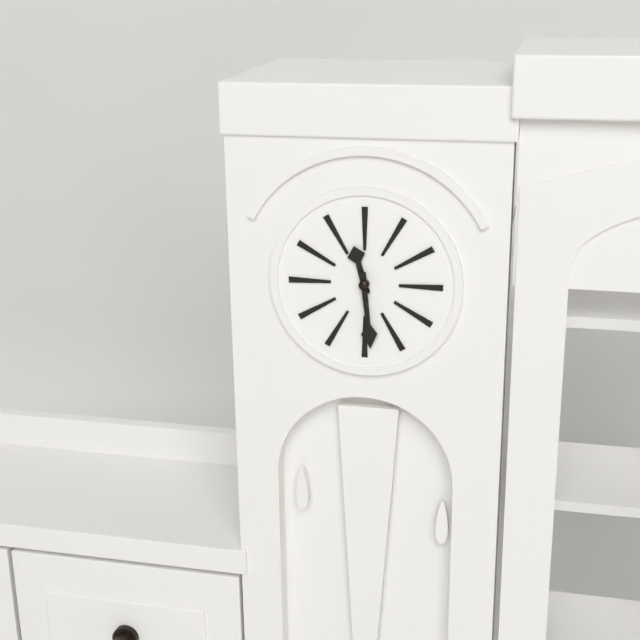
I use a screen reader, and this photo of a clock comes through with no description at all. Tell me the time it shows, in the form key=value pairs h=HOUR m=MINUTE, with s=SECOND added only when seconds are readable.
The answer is h=11 m=29
